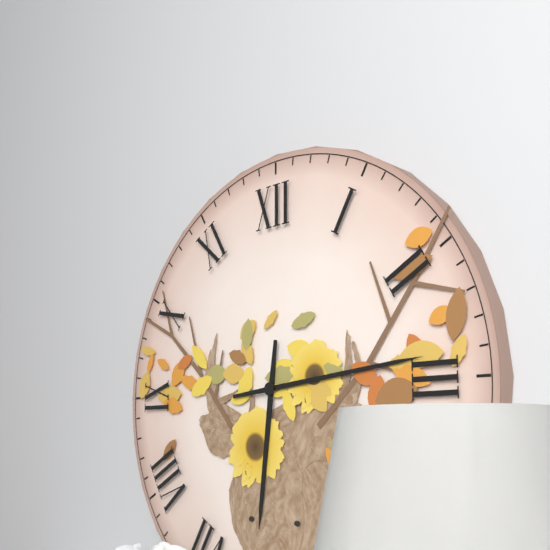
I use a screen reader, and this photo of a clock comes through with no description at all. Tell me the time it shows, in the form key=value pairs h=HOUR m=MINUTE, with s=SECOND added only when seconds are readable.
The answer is h=6 m=14
